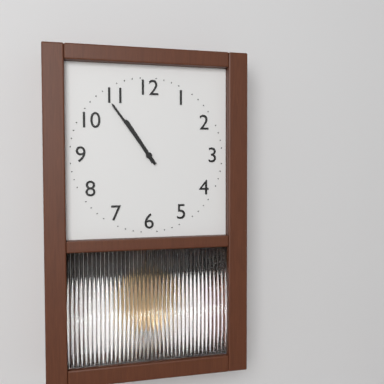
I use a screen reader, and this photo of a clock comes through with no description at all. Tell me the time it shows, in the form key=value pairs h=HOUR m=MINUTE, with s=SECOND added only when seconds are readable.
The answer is h=10 m=54
